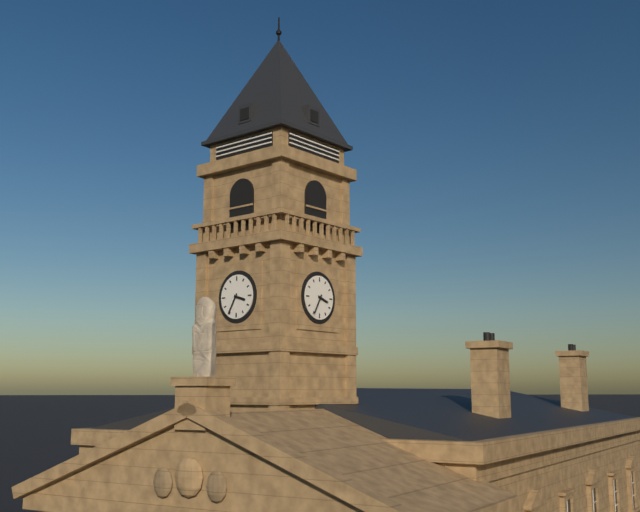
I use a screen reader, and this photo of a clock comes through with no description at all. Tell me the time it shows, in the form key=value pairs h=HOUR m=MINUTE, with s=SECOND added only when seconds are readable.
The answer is h=3 m=35
